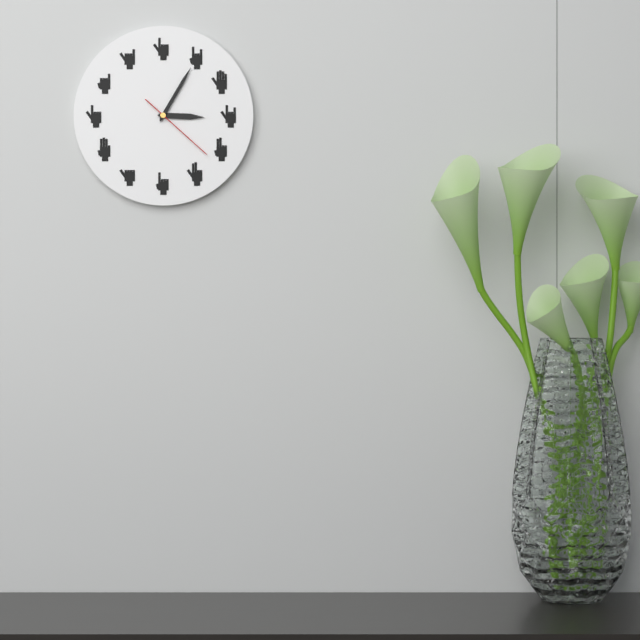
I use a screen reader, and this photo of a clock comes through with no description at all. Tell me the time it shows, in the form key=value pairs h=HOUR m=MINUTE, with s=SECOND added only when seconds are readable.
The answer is h=3 m=5 s=22
